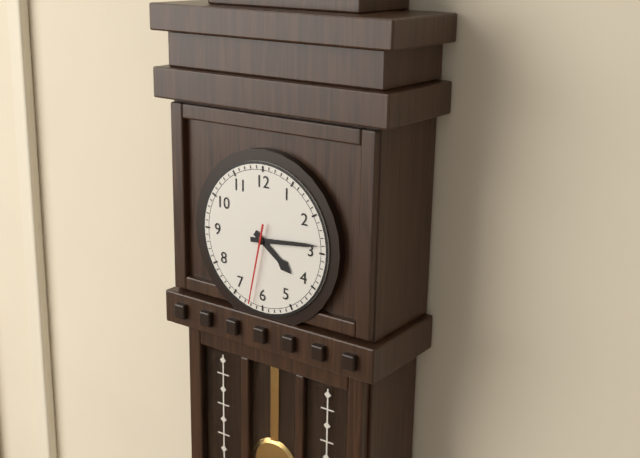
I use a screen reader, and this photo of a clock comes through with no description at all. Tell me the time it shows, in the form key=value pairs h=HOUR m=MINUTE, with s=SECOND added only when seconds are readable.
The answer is h=4 m=14 s=32
